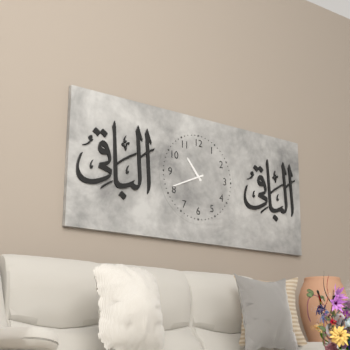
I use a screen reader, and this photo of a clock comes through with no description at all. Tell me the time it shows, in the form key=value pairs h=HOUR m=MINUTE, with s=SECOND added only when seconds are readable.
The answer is h=10 m=41
